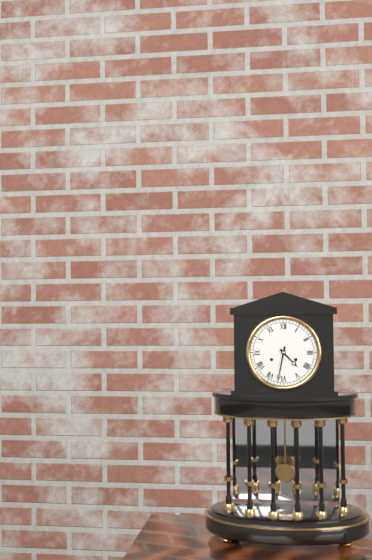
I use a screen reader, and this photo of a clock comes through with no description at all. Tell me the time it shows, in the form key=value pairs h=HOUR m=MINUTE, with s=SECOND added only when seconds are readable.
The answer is h=4 m=32
